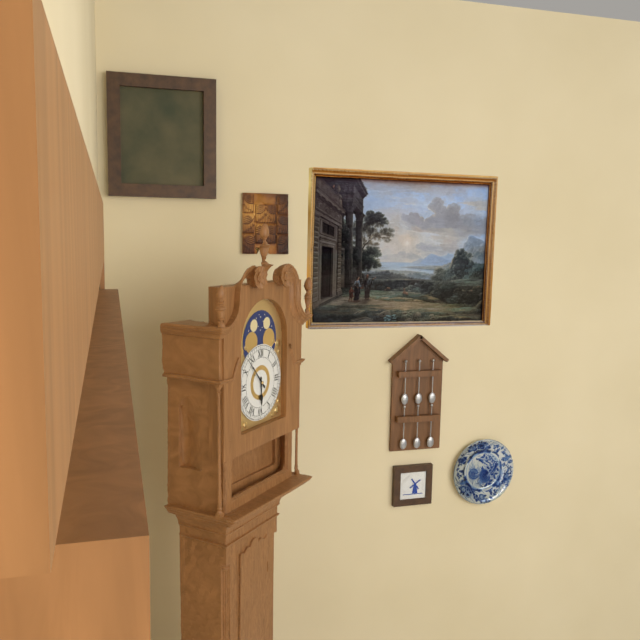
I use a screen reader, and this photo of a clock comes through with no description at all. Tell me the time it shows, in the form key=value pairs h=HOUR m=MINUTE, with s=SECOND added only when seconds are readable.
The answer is h=5 m=53
